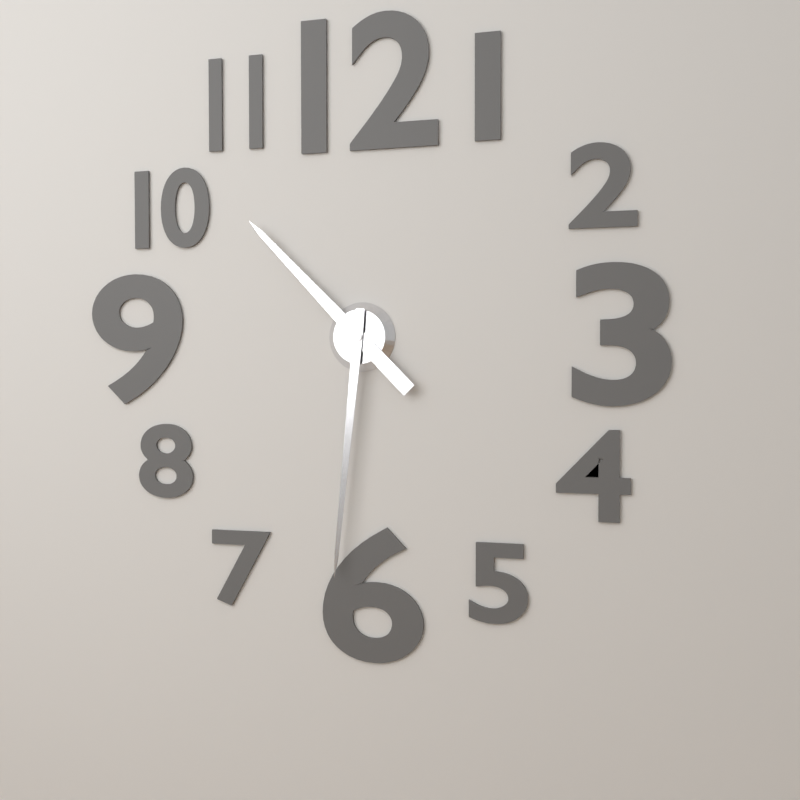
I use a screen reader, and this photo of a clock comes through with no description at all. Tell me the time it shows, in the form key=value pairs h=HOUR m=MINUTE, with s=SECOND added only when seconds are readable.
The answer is h=10 m=31
